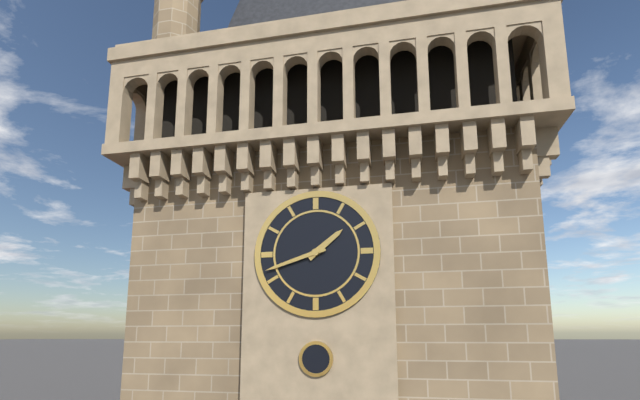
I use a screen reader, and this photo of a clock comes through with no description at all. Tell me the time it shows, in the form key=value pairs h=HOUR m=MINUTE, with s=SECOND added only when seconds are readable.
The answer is h=1 m=42
